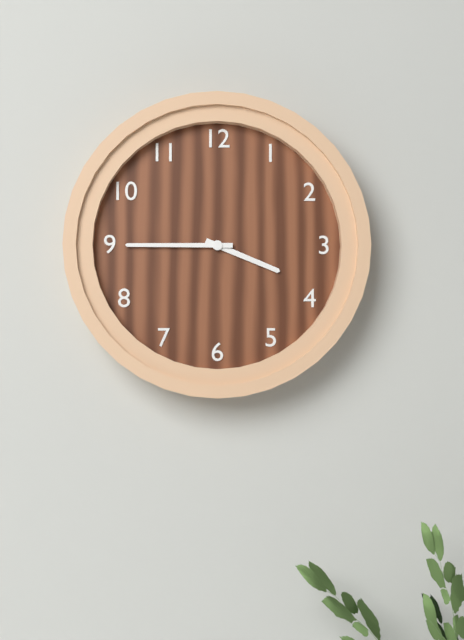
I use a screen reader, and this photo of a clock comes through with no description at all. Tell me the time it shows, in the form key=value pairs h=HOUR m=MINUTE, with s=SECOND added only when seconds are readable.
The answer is h=3 m=45
